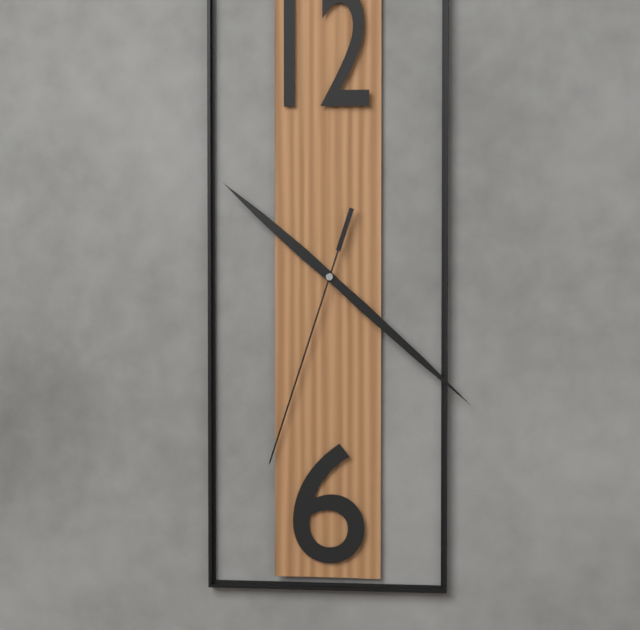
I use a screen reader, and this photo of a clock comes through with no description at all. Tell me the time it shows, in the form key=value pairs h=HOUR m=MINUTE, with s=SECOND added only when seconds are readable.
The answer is h=10 m=22 s=33
